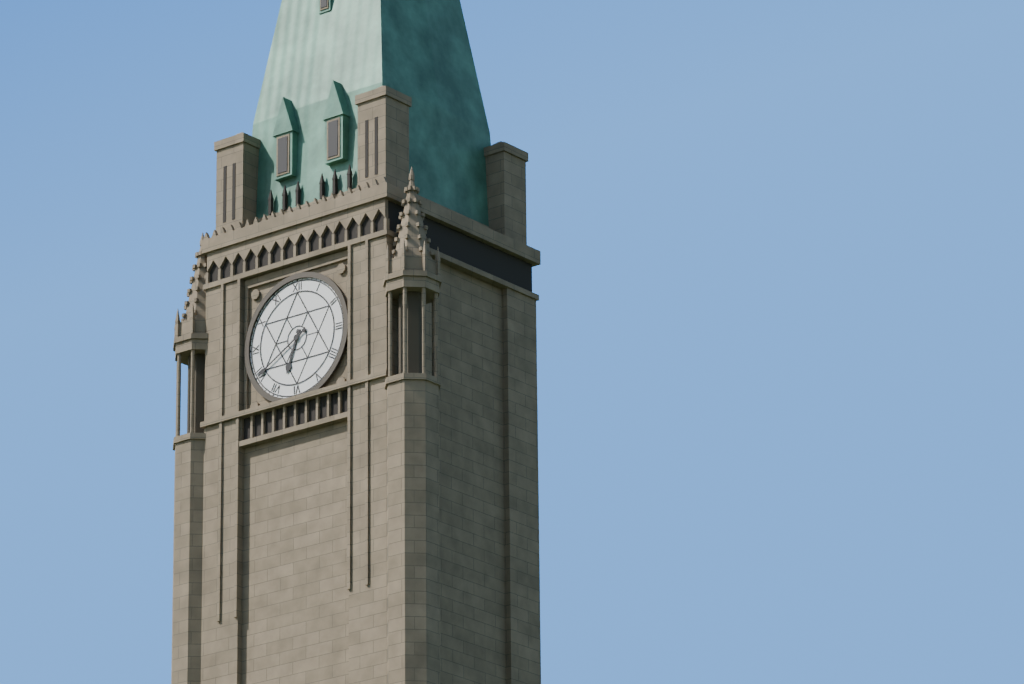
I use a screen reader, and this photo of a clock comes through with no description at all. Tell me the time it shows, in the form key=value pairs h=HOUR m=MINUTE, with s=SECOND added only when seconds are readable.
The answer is h=6 m=40
